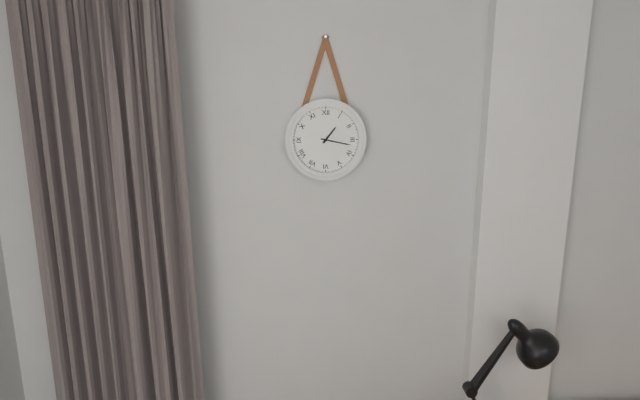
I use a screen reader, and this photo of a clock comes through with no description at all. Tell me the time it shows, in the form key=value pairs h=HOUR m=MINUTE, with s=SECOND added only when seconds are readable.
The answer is h=1 m=17
